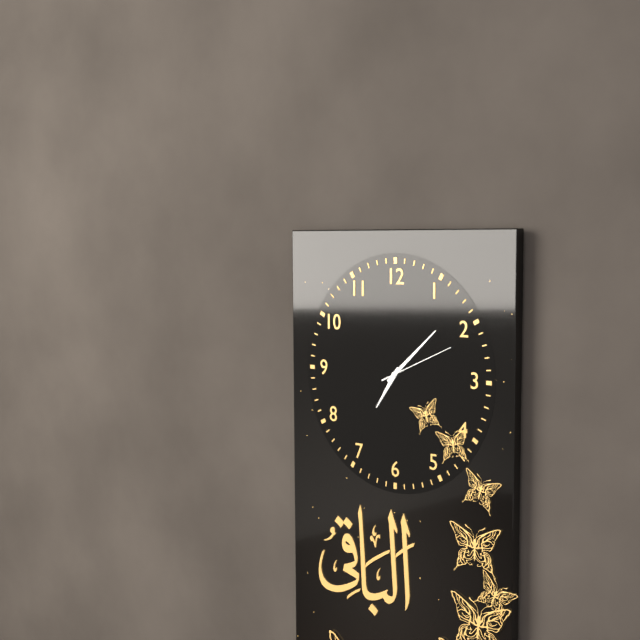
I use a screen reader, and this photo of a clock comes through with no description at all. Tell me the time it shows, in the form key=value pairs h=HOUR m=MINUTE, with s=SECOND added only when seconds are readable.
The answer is h=7 m=8 s=11
